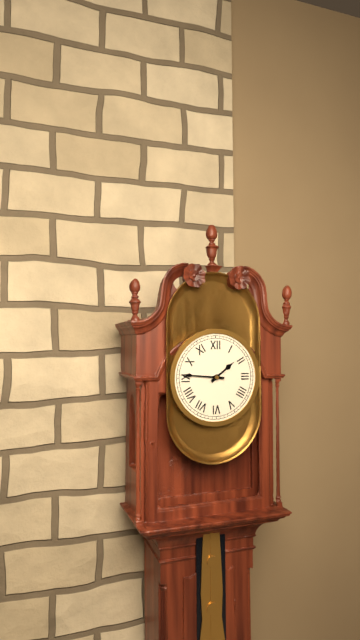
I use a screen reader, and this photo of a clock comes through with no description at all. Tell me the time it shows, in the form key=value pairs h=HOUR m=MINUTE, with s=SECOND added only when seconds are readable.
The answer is h=1 m=46
